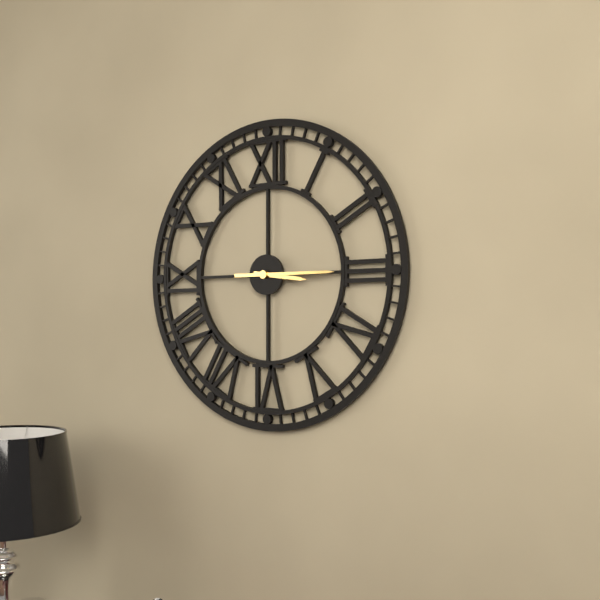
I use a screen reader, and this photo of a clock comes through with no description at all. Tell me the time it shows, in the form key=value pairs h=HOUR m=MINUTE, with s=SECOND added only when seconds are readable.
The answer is h=3 m=15
